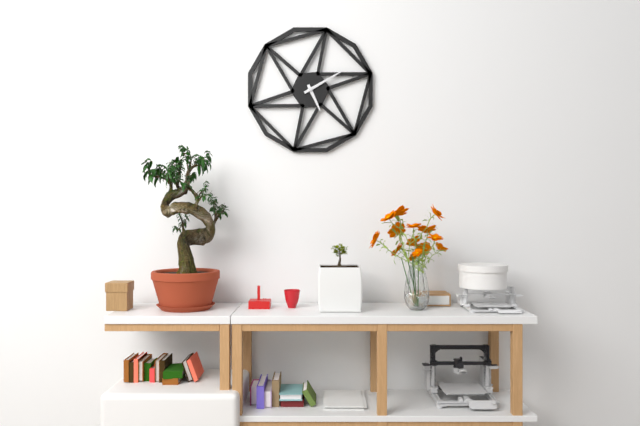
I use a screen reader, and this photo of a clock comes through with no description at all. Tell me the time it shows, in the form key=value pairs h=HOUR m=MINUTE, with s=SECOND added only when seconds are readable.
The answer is h=5 m=10
